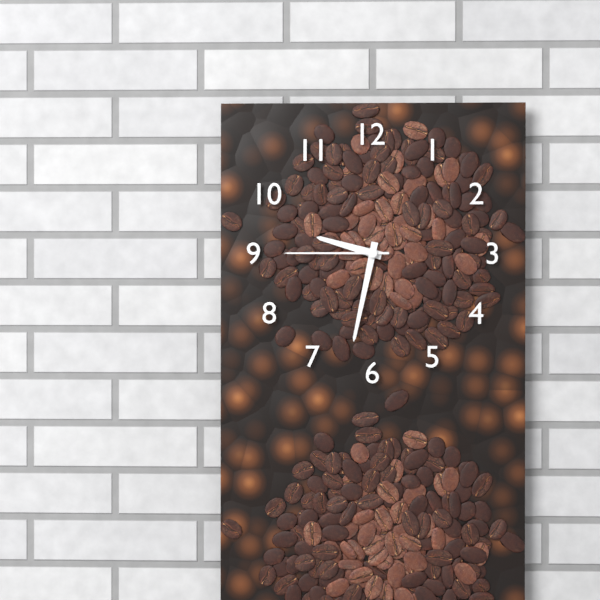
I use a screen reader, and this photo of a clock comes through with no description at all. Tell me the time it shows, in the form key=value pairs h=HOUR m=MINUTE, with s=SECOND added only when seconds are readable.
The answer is h=9 m=32 s=45
